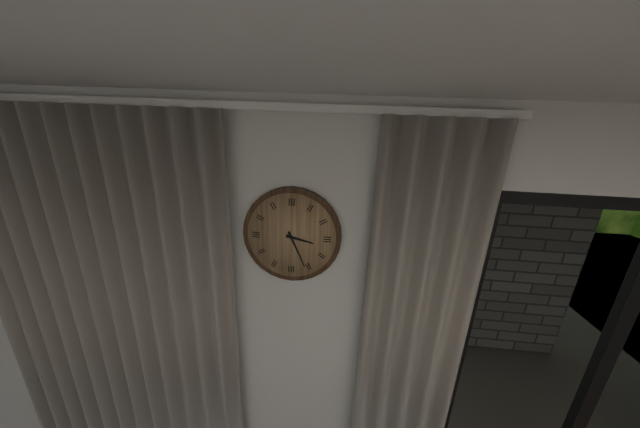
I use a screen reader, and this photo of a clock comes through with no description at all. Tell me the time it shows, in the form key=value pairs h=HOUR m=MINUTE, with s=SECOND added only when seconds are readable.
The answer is h=3 m=26
